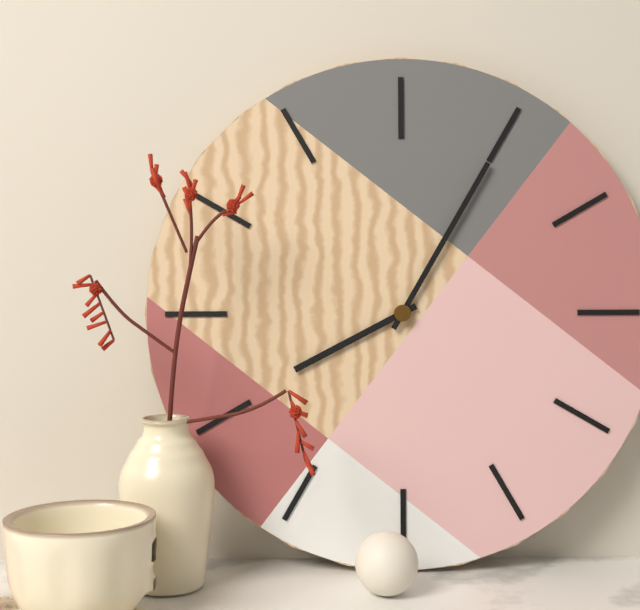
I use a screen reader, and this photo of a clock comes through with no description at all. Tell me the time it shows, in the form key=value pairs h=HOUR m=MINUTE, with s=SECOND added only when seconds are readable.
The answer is h=8 m=5
